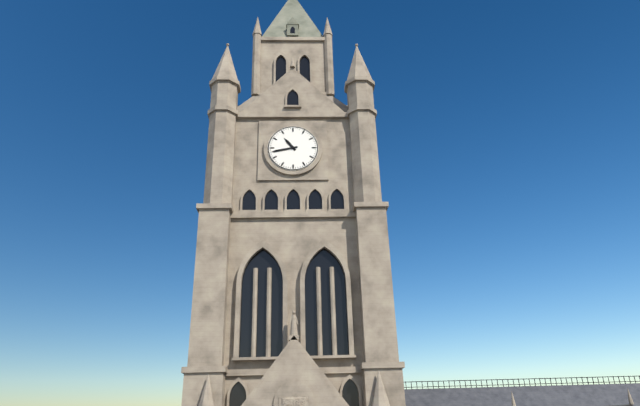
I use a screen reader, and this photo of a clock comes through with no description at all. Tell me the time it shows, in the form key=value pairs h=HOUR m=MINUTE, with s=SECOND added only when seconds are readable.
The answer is h=10 m=43
